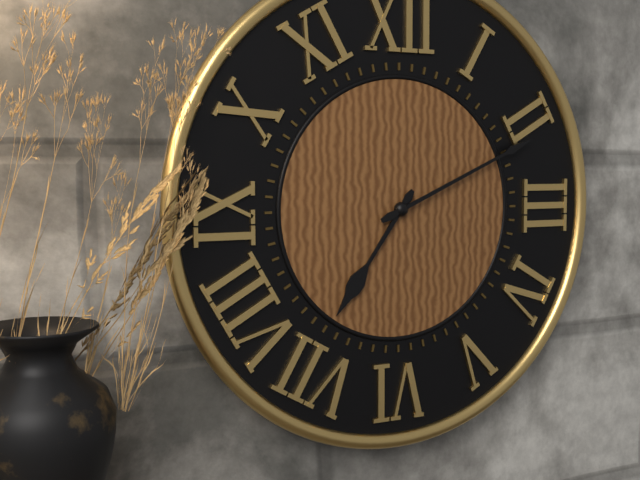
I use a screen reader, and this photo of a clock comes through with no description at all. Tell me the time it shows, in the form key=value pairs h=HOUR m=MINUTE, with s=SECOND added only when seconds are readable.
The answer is h=7 m=11
